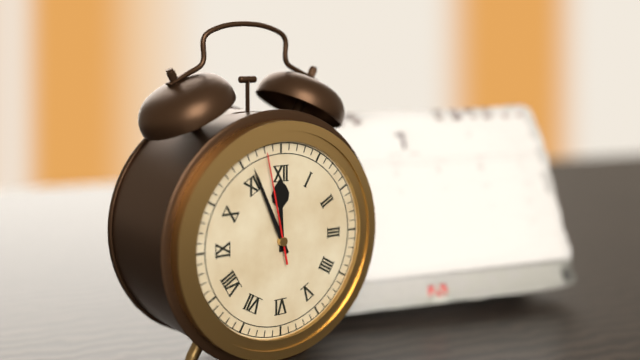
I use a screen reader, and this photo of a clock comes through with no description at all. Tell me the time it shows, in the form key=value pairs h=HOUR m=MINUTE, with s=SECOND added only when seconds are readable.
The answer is h=11 m=56 s=58
